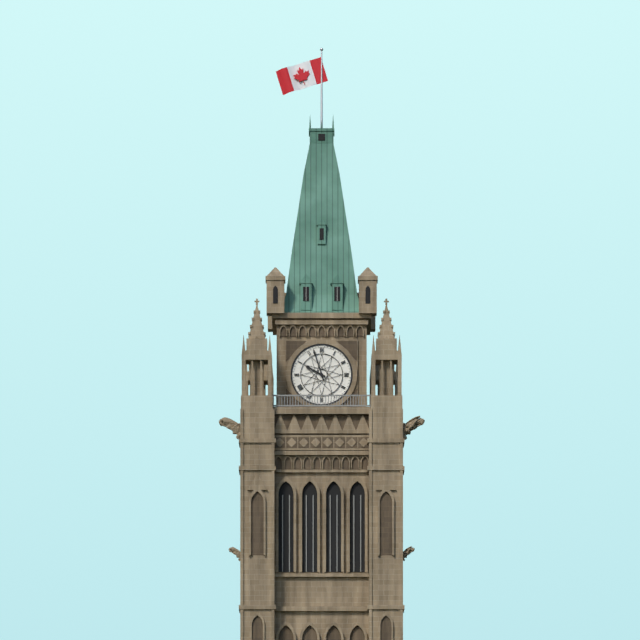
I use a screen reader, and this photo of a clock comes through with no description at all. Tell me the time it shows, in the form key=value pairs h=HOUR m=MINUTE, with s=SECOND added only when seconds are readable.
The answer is h=9 m=57
